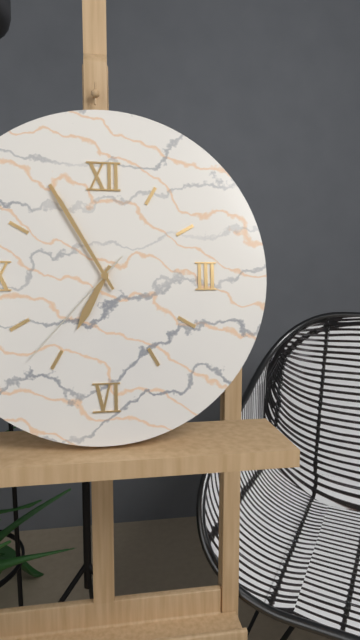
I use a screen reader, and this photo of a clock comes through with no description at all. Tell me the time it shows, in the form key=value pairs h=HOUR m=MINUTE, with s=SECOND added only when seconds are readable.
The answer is h=6 m=55 s=37
